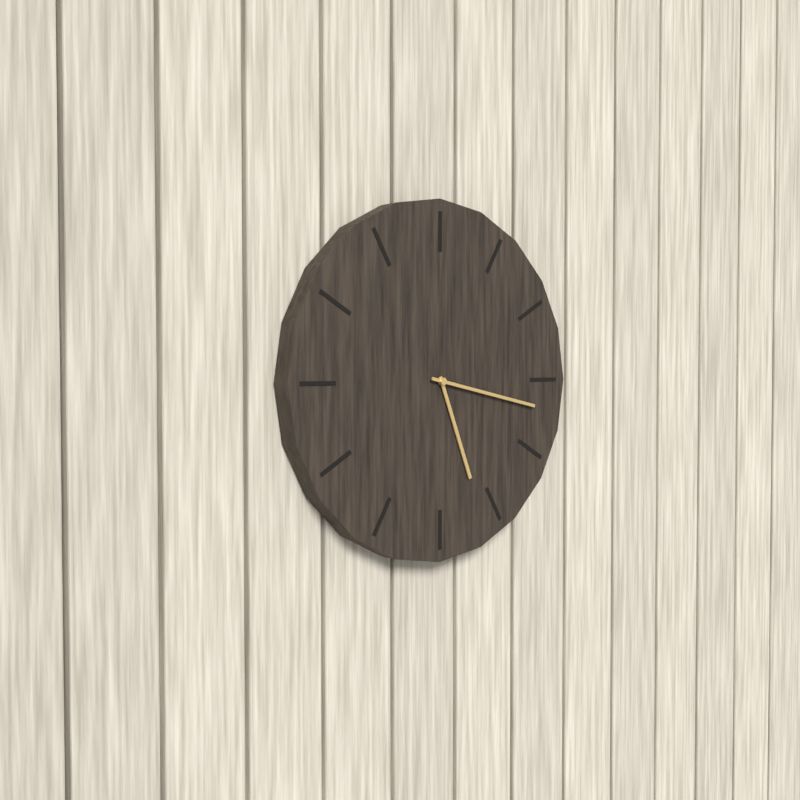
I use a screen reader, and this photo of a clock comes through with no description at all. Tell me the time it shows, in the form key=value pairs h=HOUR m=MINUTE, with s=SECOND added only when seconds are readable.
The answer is h=5 m=17
